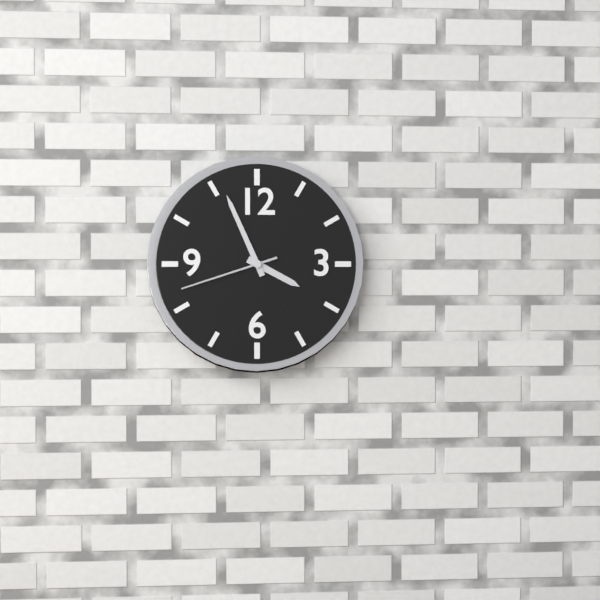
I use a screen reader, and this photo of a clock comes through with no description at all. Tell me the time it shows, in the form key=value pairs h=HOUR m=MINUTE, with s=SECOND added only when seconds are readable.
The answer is h=3 m=56 s=42
